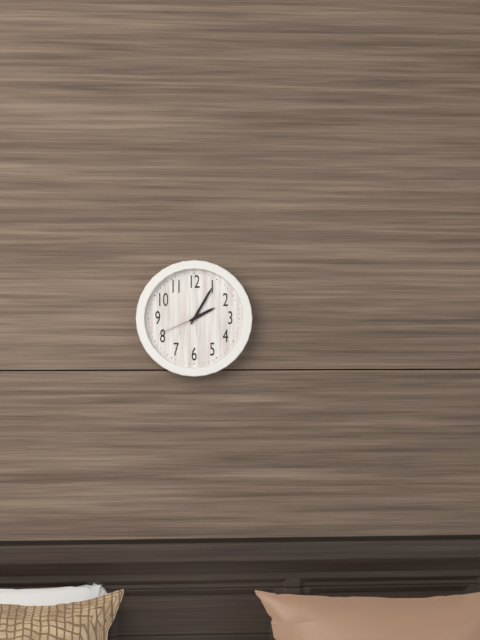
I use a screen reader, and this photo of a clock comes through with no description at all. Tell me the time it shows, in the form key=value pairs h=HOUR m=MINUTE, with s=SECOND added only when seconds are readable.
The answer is h=2 m=5 s=41
